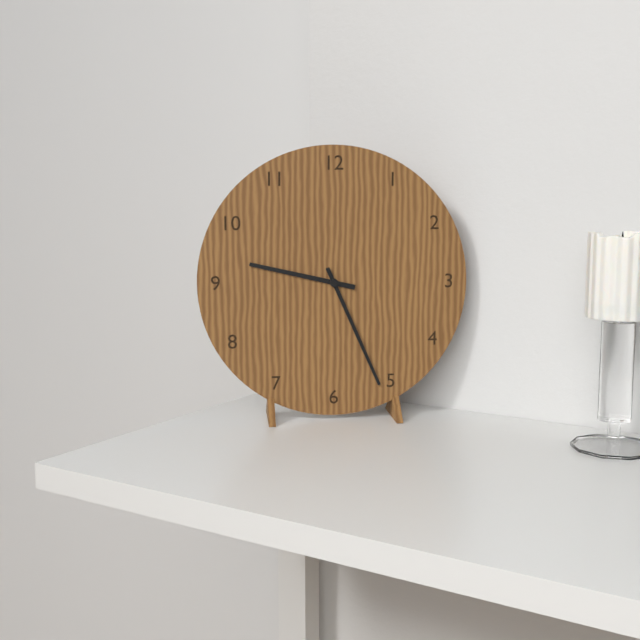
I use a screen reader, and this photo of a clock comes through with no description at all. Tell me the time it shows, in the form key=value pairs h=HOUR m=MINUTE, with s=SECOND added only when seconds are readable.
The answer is h=9 m=26
